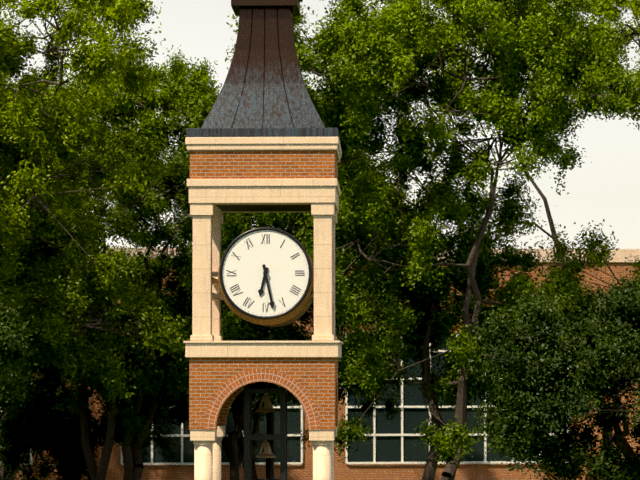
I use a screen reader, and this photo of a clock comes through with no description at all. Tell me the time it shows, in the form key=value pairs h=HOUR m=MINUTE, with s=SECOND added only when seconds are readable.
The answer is h=6 m=28
